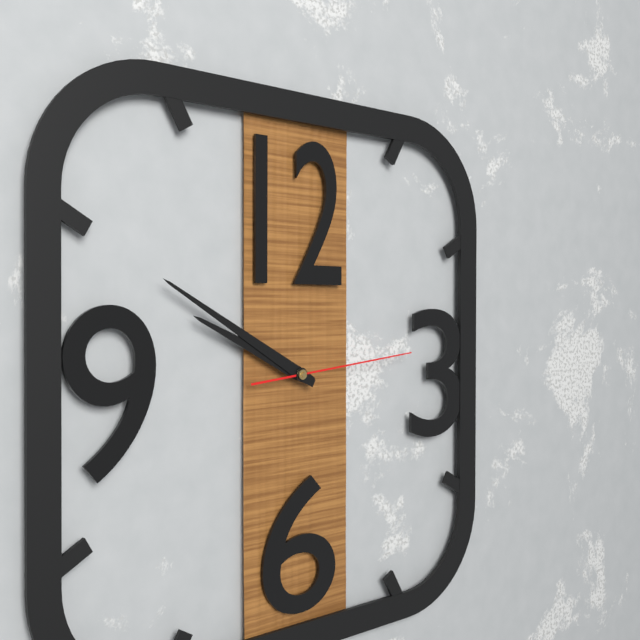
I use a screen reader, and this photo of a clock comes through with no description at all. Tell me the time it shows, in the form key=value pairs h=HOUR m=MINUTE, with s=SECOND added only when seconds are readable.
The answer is h=9 m=50 s=14
